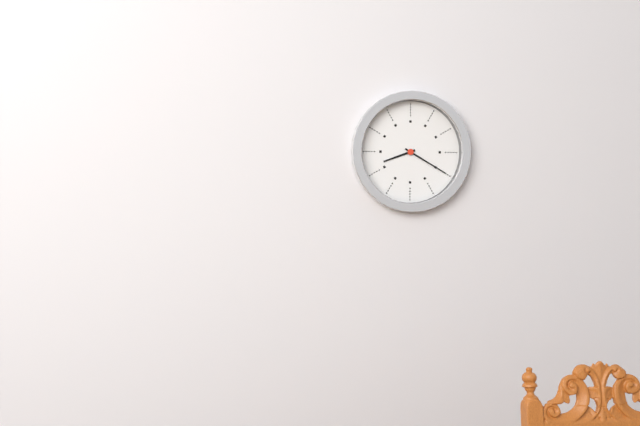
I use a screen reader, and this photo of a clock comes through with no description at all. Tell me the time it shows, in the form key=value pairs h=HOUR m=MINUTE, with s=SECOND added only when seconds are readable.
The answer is h=8 m=20
